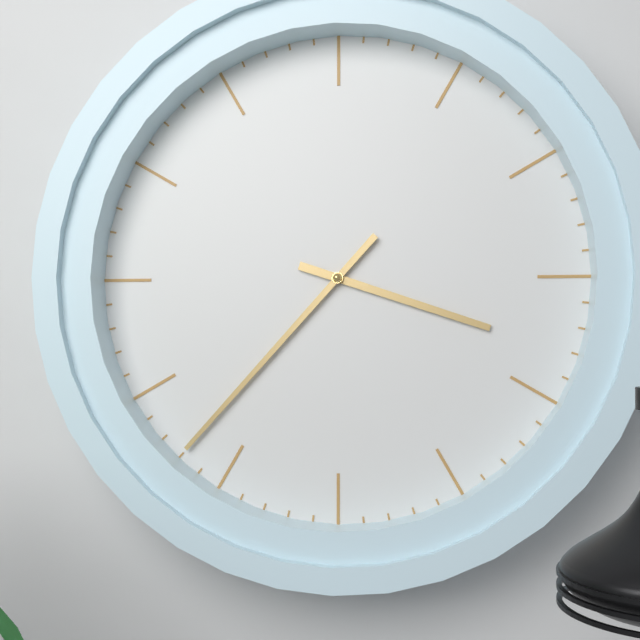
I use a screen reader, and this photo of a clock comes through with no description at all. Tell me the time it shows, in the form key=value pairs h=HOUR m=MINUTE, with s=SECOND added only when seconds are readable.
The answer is h=3 m=37
